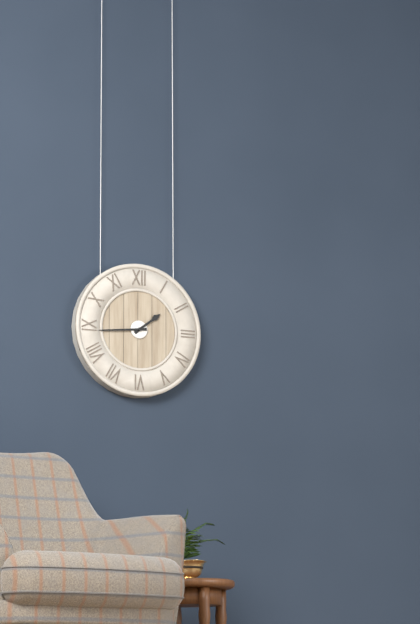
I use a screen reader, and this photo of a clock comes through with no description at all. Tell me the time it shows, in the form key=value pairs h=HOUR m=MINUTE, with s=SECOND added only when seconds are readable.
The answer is h=1 m=44
